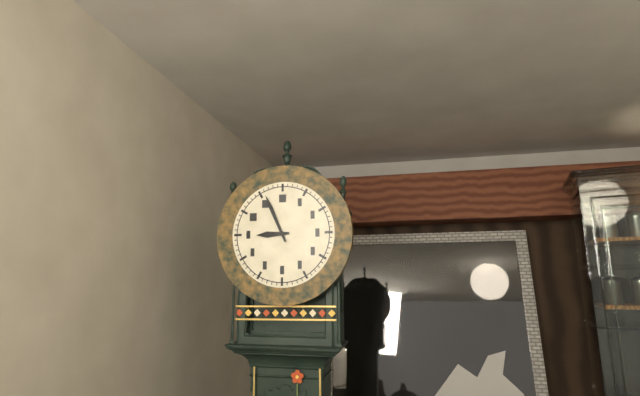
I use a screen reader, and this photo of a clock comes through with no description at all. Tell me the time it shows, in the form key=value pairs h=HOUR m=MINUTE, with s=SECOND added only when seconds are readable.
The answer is h=8 m=56
